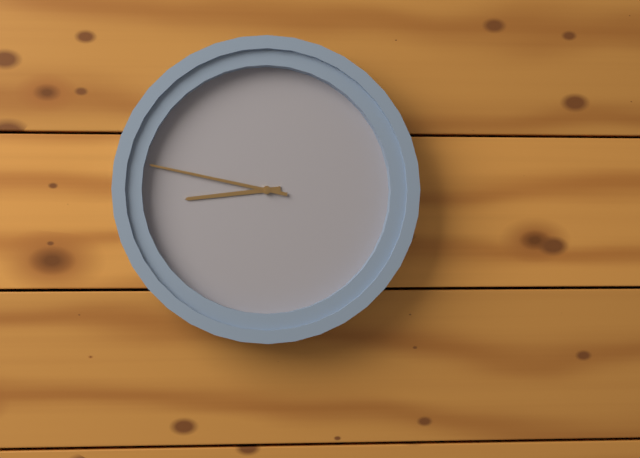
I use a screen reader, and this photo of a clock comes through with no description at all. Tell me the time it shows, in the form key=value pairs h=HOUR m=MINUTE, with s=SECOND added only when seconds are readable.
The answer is h=8 m=47
